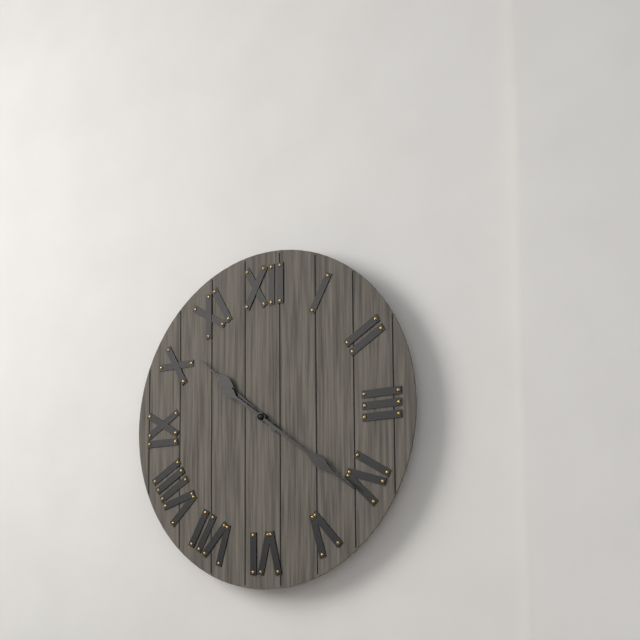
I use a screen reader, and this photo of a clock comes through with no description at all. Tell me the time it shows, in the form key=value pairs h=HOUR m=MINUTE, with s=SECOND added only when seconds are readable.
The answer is h=10 m=21
